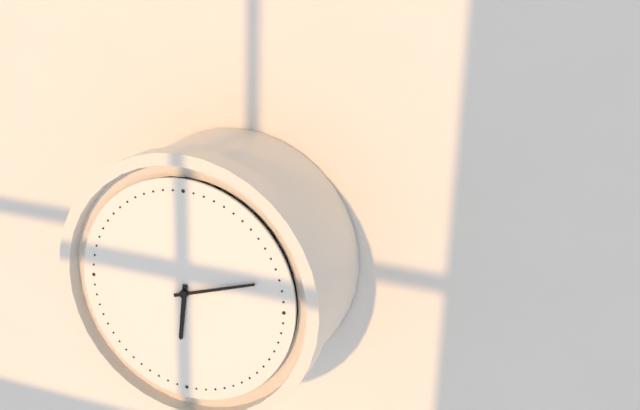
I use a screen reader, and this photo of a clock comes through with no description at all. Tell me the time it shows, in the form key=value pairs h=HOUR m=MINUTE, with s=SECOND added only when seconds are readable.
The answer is h=6 m=12
